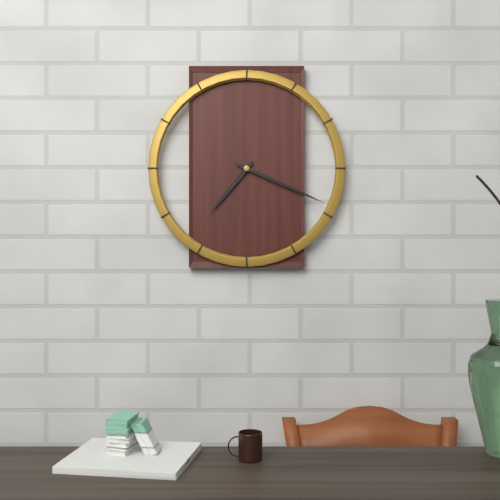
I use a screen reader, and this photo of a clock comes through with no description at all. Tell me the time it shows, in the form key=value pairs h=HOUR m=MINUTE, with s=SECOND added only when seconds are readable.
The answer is h=7 m=19
